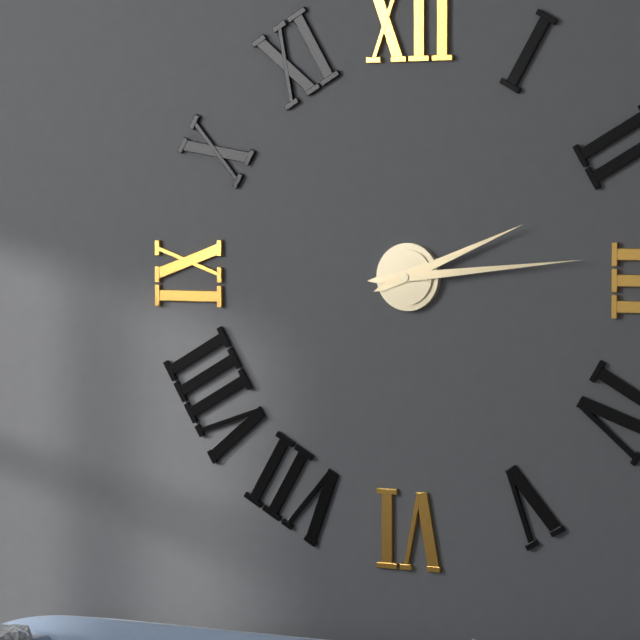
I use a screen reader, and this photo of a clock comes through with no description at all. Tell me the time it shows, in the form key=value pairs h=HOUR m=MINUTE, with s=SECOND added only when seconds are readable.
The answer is h=2 m=14
